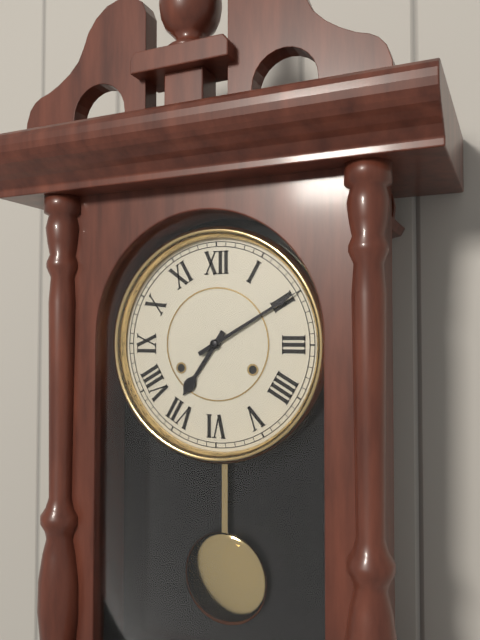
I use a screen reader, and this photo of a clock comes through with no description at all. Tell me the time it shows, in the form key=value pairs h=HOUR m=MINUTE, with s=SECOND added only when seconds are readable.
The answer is h=7 m=10
